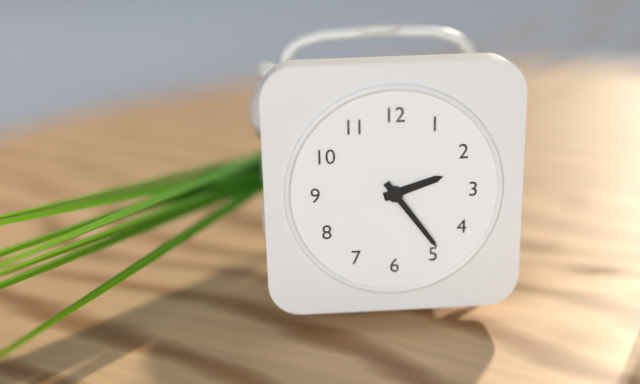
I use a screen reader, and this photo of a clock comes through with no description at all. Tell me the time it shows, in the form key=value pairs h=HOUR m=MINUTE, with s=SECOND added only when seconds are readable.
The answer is h=2 m=24
